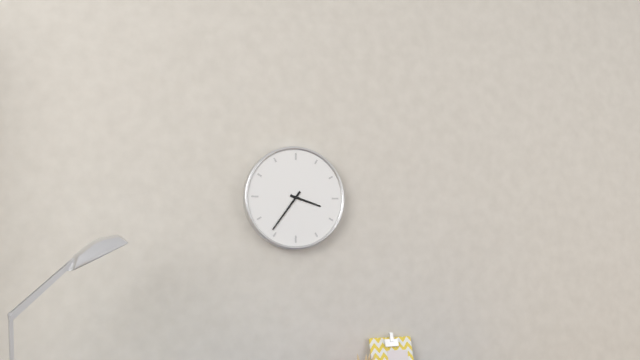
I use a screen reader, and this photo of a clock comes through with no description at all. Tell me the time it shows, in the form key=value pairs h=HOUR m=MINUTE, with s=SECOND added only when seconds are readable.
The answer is h=3 m=36
